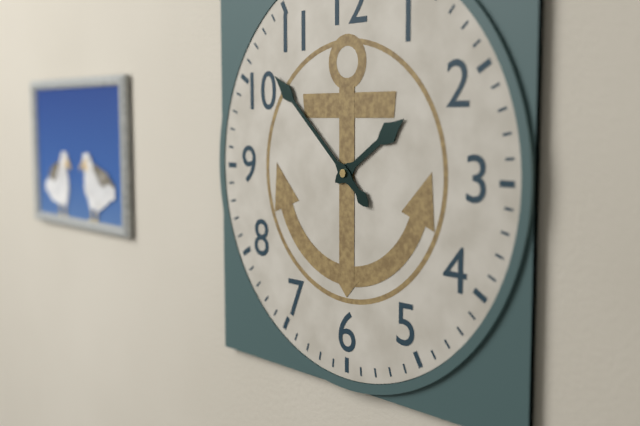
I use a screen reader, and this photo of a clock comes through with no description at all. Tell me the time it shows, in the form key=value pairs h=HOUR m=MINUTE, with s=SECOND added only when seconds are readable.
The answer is h=1 m=52
